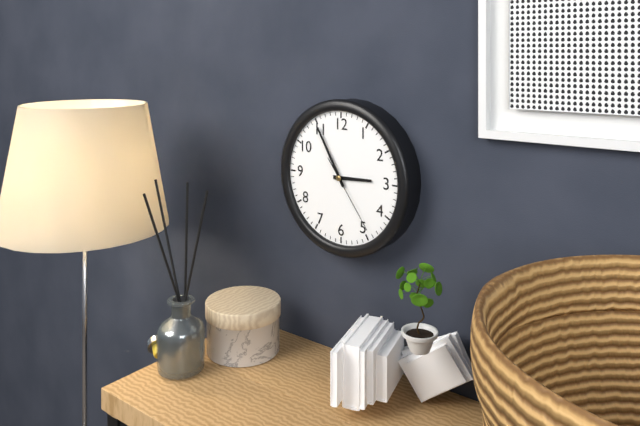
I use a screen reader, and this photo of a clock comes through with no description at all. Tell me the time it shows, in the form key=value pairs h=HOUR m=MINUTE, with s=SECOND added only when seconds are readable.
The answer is h=2 m=55 s=24
